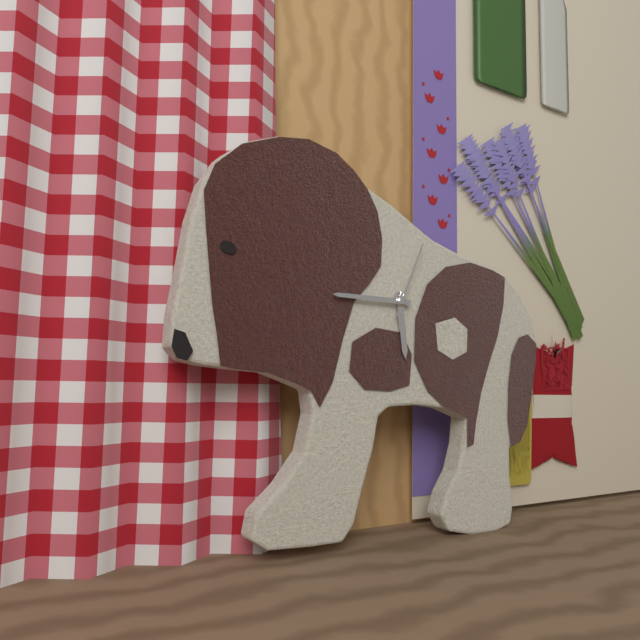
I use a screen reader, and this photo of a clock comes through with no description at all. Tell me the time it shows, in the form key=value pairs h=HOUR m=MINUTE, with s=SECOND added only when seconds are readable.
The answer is h=5 m=45 s=4
